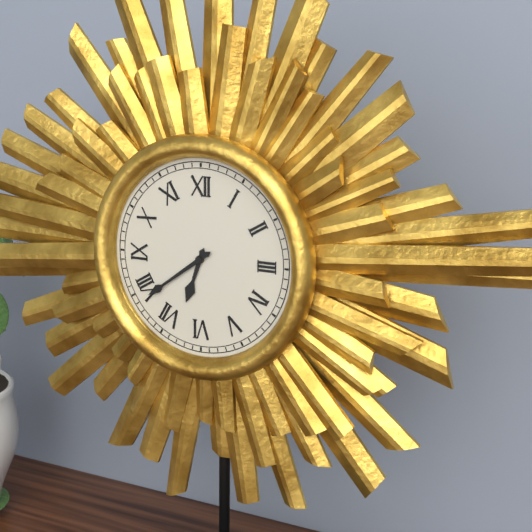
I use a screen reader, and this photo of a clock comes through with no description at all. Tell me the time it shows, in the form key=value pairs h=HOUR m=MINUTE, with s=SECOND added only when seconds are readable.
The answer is h=6 m=39
